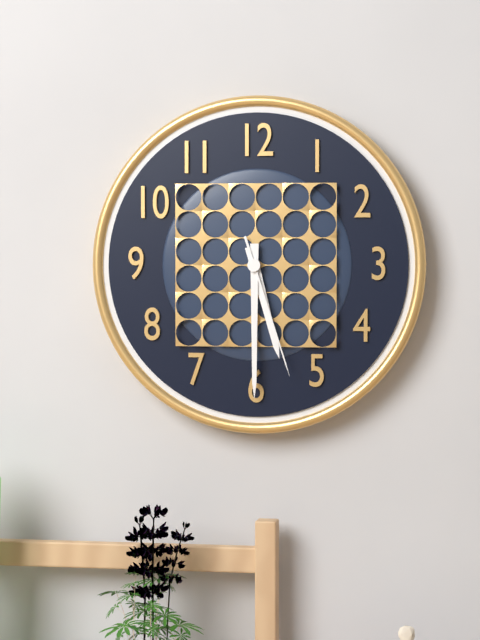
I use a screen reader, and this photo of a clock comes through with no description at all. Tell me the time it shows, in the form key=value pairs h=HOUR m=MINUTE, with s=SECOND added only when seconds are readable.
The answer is h=5 m=30 s=27
